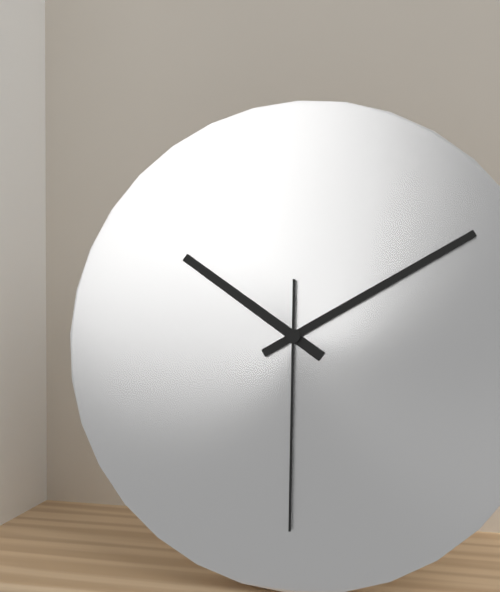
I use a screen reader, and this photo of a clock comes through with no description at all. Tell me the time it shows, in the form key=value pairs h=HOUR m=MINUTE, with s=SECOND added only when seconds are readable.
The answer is h=10 m=10 s=30
